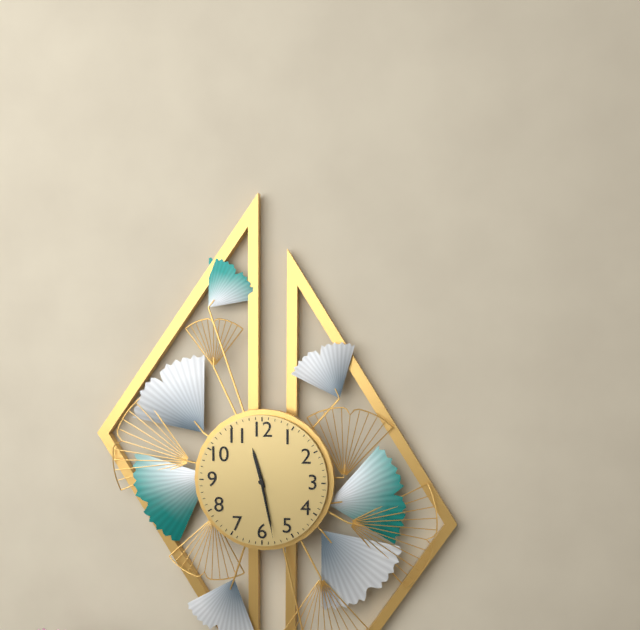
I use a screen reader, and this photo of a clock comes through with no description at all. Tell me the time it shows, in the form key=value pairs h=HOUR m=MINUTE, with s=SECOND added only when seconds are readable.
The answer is h=11 m=28 s=28
